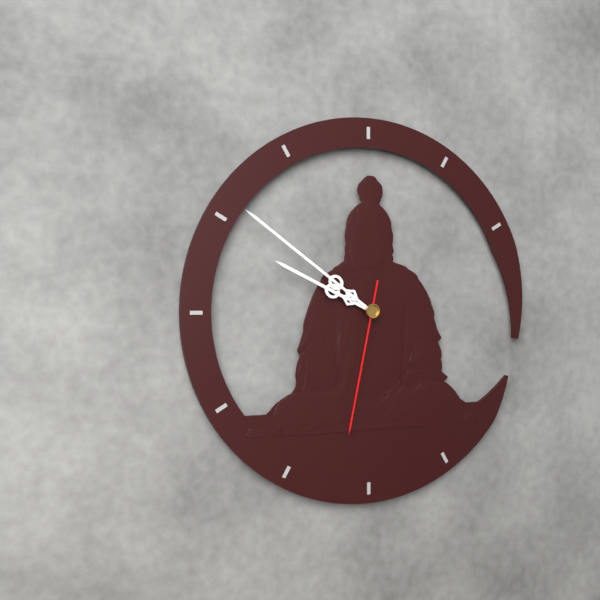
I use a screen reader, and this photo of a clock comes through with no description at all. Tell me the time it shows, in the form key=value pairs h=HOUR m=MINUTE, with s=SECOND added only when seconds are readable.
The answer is h=9 m=51 s=32
